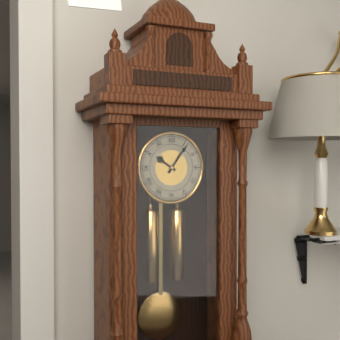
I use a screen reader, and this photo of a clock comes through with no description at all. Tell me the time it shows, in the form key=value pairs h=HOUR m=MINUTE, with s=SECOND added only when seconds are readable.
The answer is h=10 m=6
